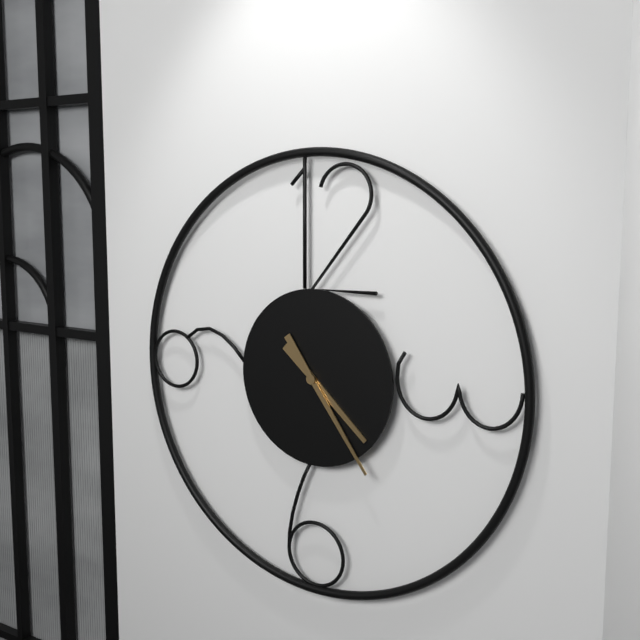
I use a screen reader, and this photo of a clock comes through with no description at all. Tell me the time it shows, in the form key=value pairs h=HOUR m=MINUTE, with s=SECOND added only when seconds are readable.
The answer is h=4 m=24
